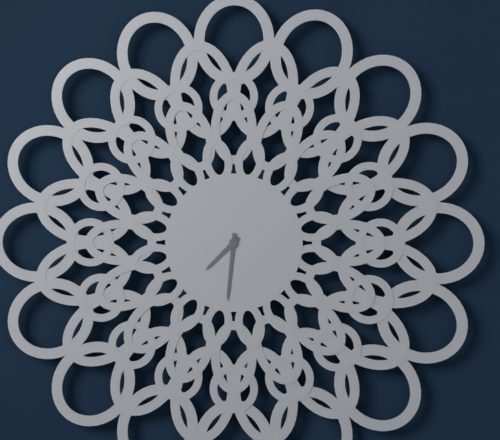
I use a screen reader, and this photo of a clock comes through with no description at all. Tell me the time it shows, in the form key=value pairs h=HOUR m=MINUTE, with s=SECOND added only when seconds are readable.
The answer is h=7 m=31
